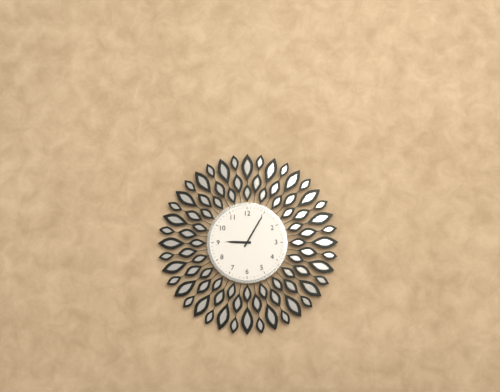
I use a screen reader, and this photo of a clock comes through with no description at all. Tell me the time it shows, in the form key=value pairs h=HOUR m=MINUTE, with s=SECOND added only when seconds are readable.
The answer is h=9 m=5
